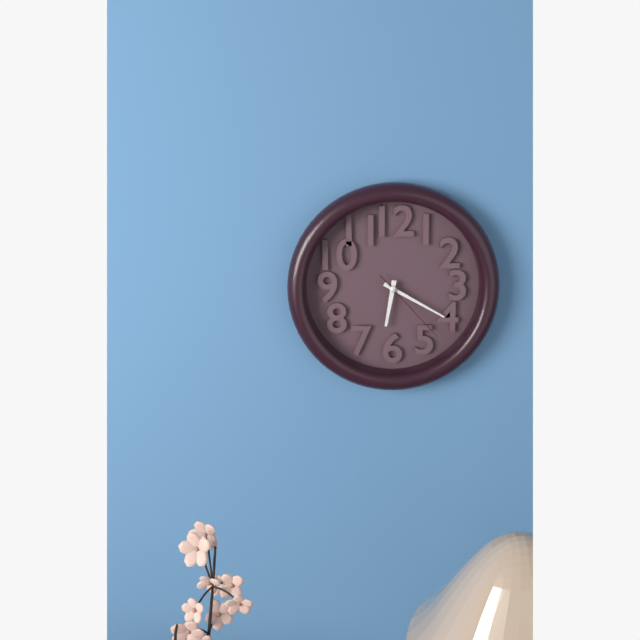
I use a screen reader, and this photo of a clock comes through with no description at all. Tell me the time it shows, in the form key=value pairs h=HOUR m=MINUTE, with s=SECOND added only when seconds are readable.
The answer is h=6 m=20 s=23
